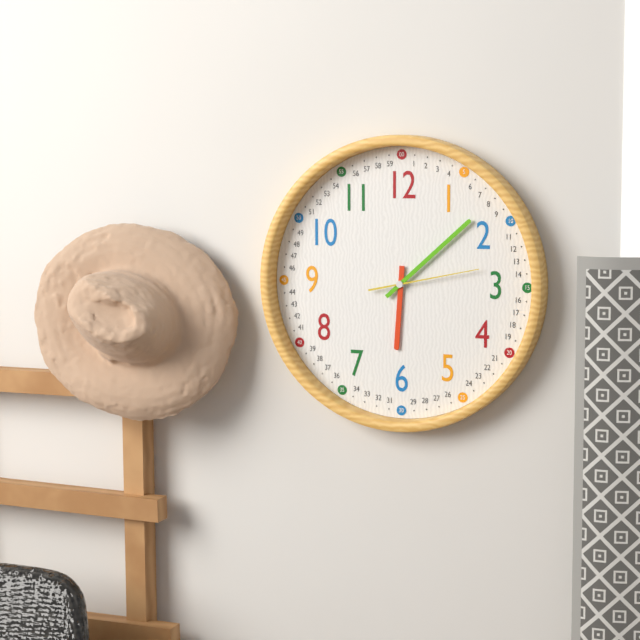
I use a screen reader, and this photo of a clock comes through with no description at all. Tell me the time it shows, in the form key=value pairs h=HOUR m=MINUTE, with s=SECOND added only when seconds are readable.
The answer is h=6 m=8 s=13
